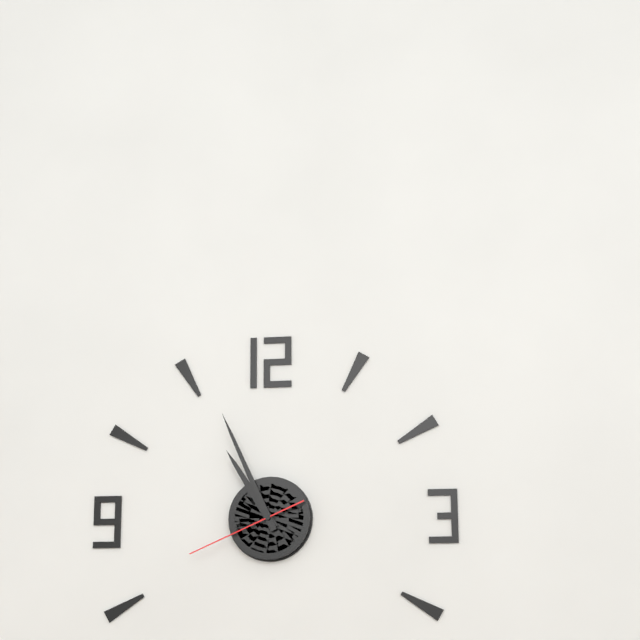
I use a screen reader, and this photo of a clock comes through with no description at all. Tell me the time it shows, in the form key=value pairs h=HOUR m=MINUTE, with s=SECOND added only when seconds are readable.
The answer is h=10 m=56 s=41
